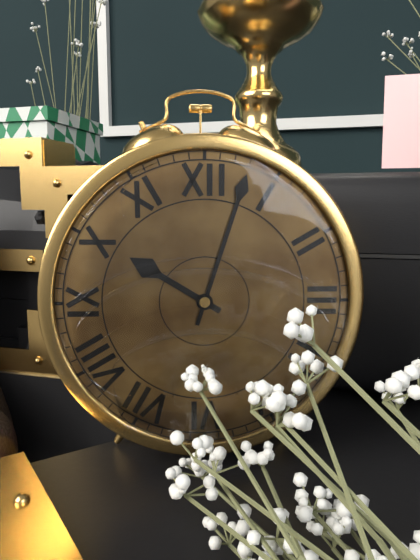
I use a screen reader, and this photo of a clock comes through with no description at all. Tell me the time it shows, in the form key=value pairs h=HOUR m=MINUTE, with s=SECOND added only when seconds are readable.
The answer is h=10 m=3
